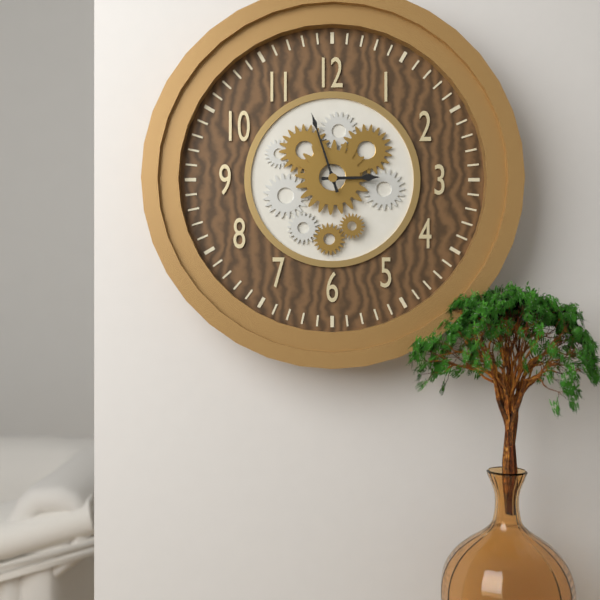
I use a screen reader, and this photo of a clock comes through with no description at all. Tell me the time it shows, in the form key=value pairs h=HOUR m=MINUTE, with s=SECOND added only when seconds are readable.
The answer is h=2 m=57
